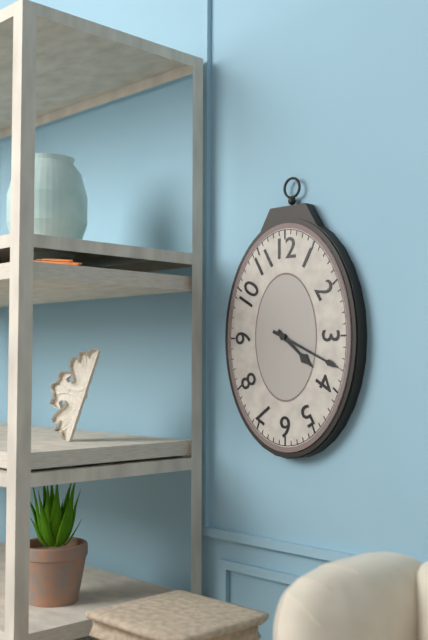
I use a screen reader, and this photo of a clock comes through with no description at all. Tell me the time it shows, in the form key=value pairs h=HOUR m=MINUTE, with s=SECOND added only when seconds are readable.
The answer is h=4 m=19
